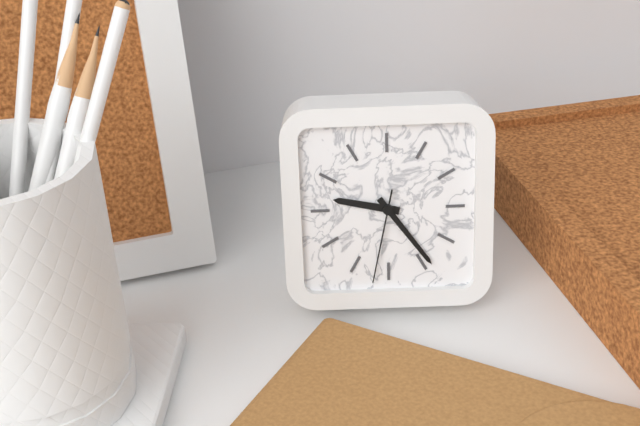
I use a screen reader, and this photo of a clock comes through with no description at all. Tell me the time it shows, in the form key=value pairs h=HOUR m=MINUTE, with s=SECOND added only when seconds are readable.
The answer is h=9 m=24 s=32
